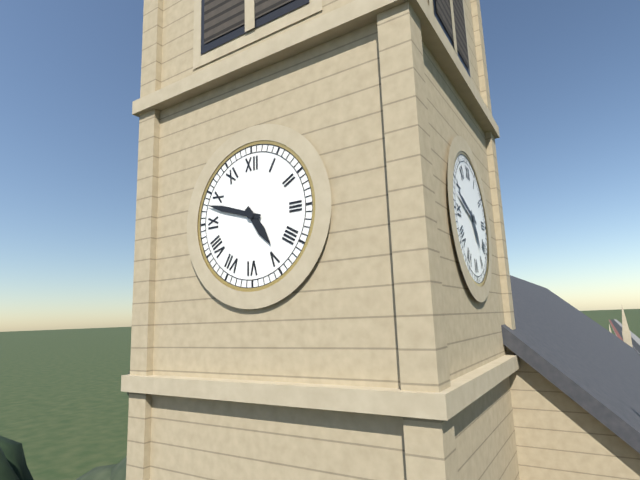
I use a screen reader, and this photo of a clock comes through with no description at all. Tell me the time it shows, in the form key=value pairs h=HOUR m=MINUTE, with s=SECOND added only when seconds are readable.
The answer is h=4 m=48
